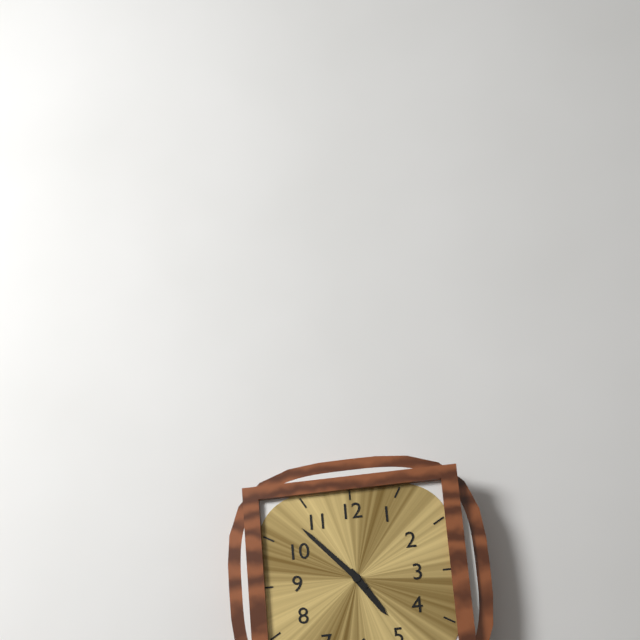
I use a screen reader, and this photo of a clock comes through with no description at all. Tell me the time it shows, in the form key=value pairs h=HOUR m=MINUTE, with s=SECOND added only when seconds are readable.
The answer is h=4 m=53
